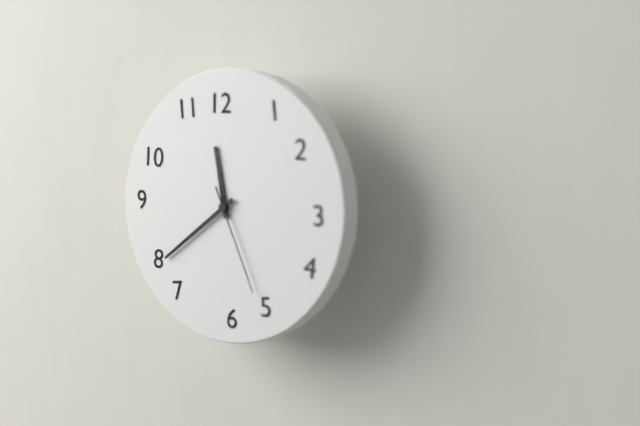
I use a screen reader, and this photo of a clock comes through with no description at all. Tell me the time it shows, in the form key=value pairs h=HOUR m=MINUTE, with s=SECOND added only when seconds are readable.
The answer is h=11 m=39 s=26
